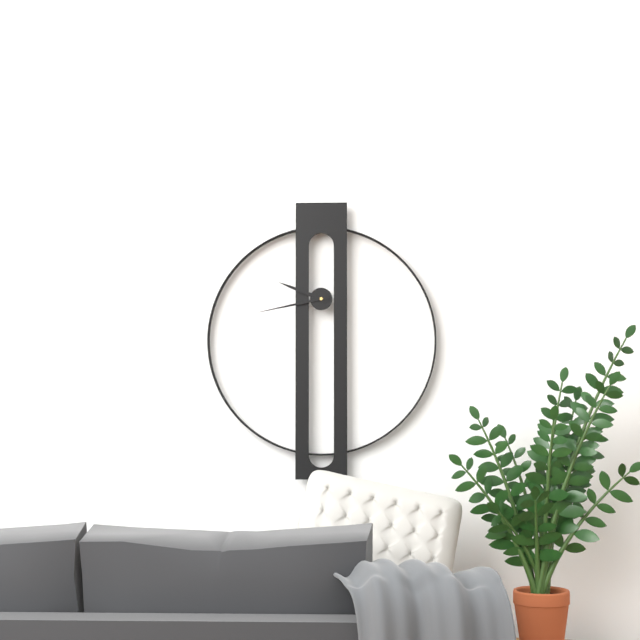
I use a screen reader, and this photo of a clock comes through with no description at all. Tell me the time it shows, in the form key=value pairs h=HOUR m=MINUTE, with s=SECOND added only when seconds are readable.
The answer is h=9 m=43
